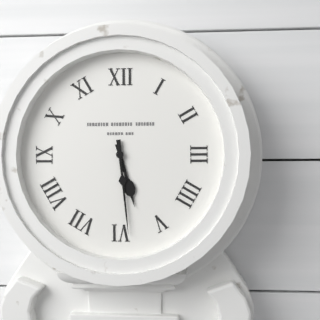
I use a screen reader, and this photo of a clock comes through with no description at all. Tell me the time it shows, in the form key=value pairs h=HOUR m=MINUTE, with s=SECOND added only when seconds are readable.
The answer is h=5 m=29
